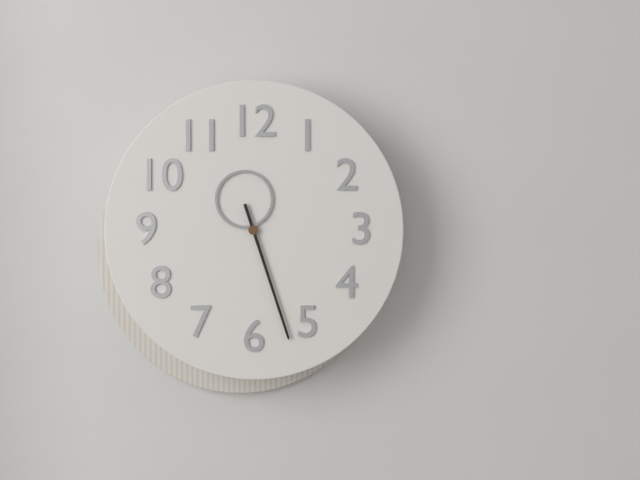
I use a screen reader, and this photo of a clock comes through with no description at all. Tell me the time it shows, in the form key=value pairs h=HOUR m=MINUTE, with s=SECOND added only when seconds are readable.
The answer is h=11 m=27
